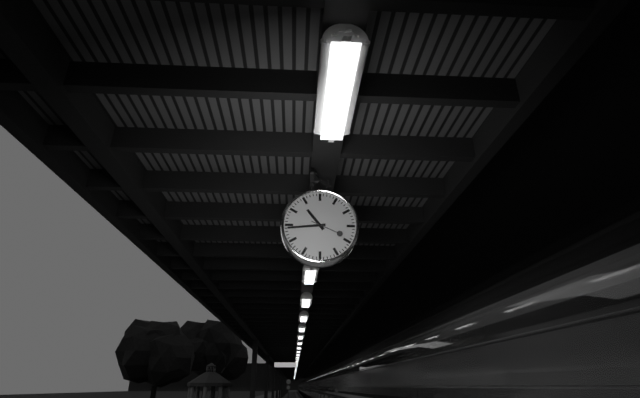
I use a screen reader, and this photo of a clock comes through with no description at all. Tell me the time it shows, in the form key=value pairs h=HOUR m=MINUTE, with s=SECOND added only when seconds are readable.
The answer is h=10 m=44
